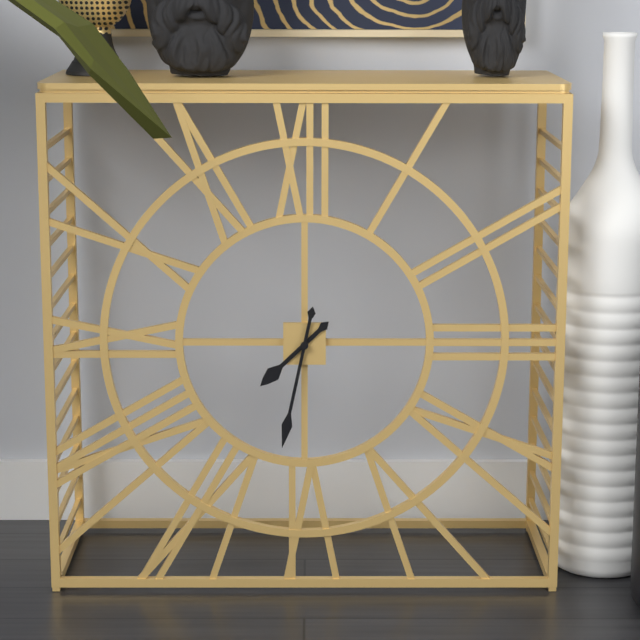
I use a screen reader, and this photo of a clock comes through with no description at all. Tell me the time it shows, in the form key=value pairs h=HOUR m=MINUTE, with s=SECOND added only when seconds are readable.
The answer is h=7 m=32
